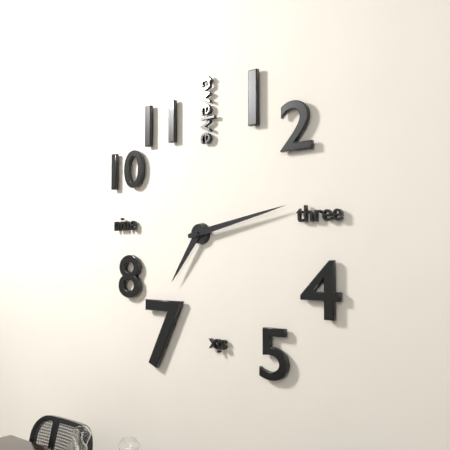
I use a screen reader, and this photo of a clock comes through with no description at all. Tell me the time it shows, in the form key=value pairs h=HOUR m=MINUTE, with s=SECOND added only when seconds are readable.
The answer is h=7 m=13
